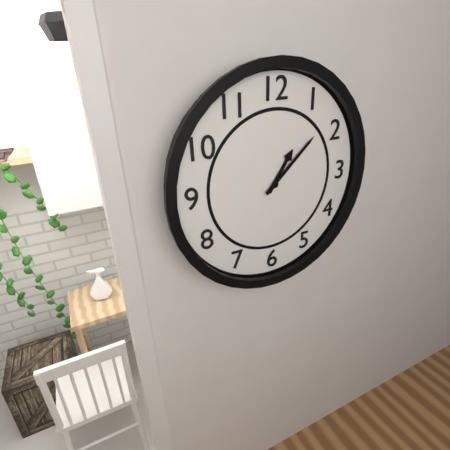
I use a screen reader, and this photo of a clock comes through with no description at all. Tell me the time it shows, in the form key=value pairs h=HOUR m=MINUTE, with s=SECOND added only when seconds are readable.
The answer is h=1 m=8
